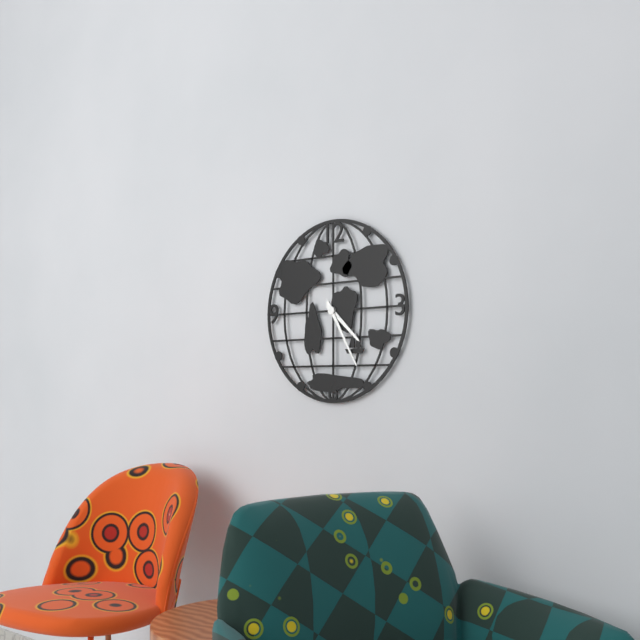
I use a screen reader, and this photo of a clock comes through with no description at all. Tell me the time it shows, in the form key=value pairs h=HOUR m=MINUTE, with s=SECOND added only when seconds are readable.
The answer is h=4 m=25
